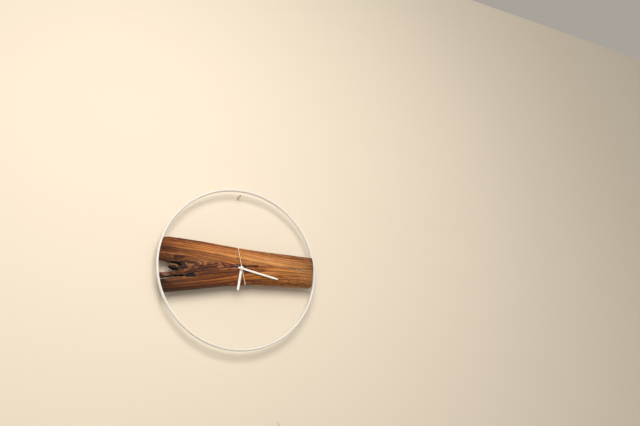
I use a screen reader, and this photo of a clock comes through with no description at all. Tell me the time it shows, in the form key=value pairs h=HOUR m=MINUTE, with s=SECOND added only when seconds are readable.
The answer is h=6 m=17
